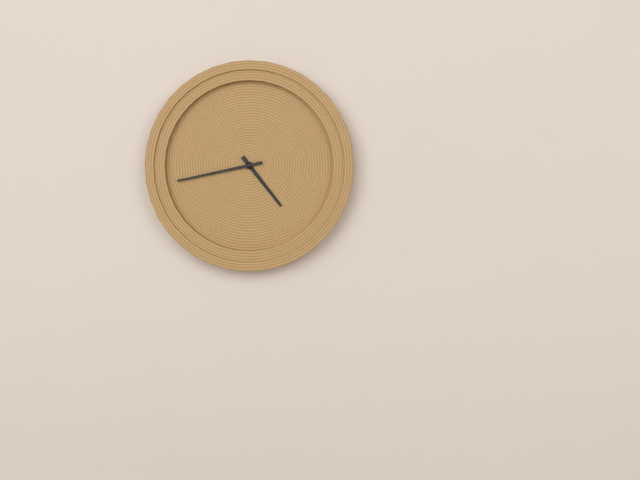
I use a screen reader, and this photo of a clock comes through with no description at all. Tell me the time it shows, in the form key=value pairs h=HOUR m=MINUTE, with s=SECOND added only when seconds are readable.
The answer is h=4 m=43
